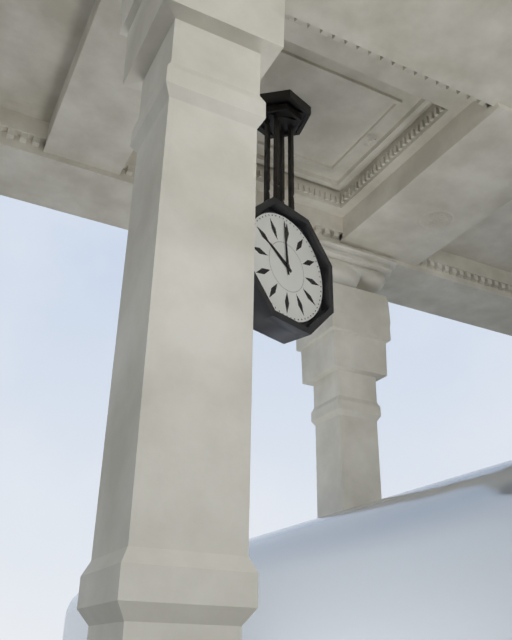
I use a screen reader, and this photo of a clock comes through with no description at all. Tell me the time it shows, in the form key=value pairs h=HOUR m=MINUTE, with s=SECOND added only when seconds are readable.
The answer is h=9 m=59
